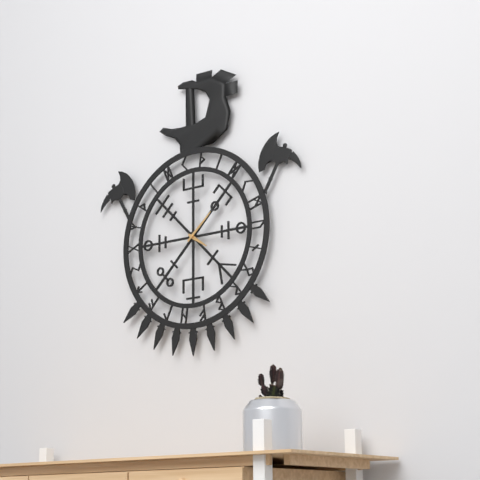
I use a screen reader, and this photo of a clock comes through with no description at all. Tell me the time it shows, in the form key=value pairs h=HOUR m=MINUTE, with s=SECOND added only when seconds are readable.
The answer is h=4 m=8
